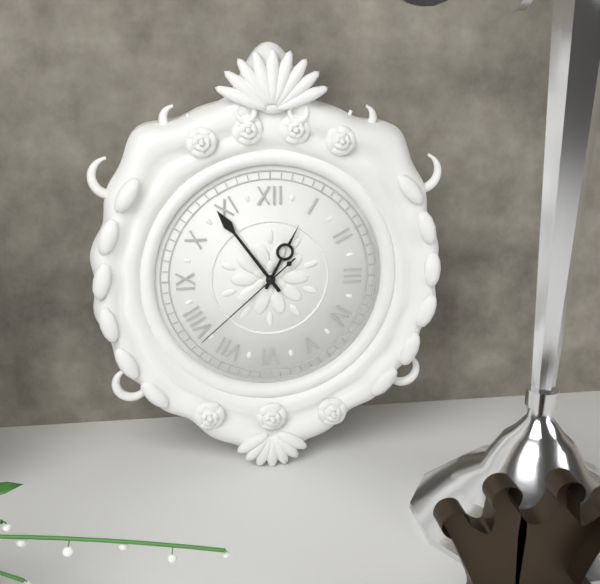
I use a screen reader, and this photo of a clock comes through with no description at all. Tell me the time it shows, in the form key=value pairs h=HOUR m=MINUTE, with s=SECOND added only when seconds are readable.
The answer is h=12 m=54 s=38
